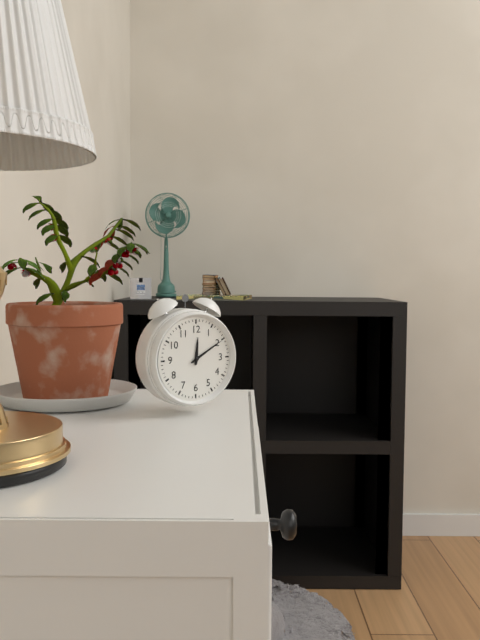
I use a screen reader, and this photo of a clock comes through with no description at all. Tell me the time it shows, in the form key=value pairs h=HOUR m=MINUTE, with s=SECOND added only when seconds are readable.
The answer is h=12 m=10
